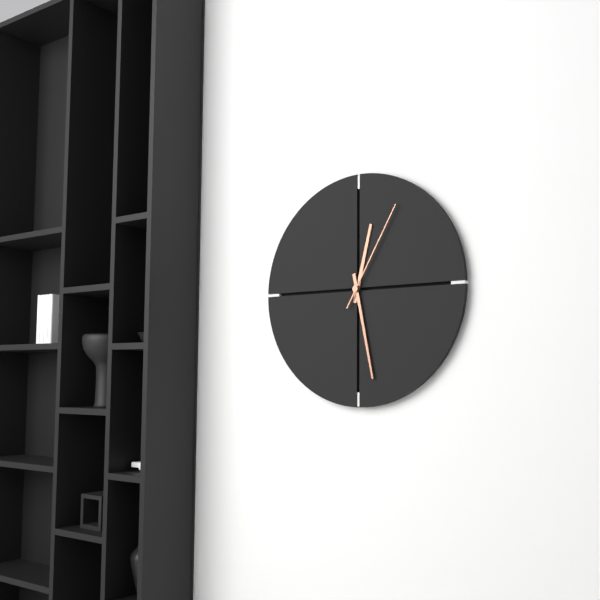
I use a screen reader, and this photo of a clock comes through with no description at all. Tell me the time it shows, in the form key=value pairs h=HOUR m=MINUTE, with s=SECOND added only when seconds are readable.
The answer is h=12 m=28 s=5
